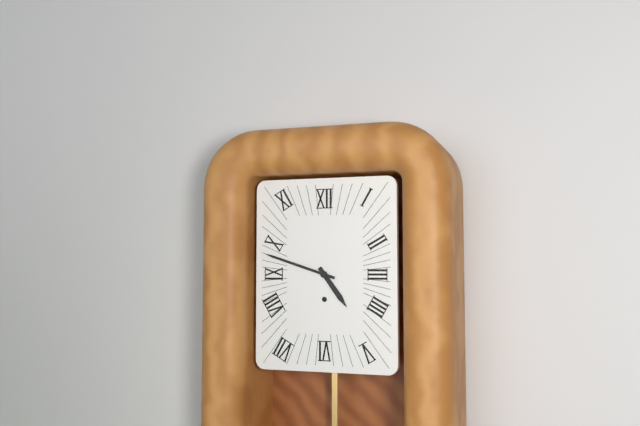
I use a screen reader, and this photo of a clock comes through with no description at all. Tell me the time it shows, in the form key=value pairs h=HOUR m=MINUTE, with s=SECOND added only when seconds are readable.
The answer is h=4 m=48
